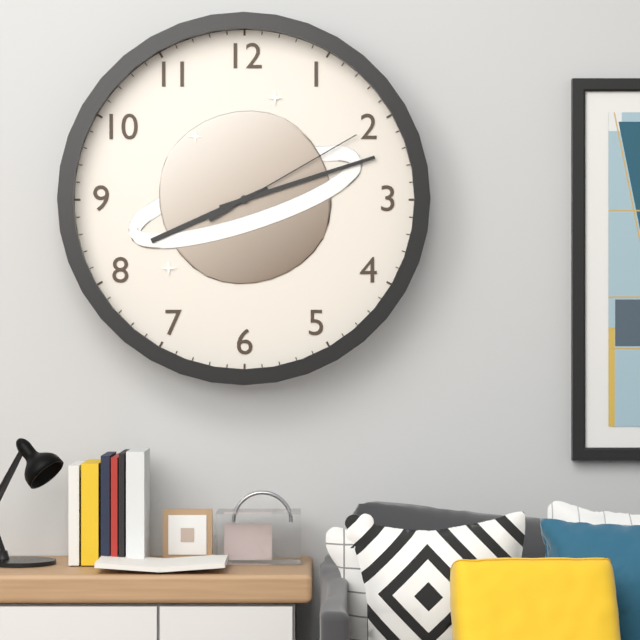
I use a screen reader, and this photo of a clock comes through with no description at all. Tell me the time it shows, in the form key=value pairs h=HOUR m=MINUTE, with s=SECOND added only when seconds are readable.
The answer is h=8 m=12 s=10
